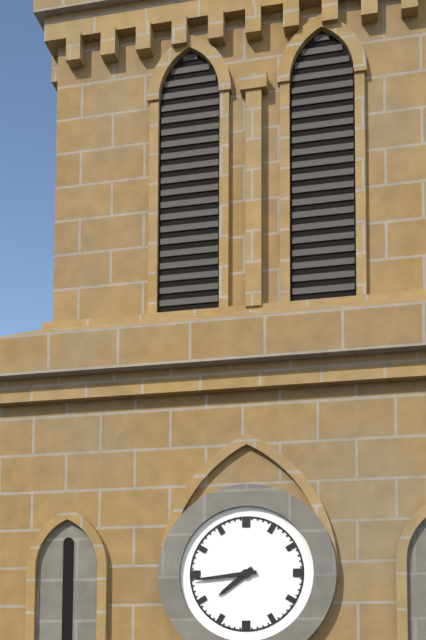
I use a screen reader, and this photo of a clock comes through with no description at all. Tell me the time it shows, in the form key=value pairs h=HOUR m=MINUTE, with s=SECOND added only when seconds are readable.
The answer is h=7 m=44
